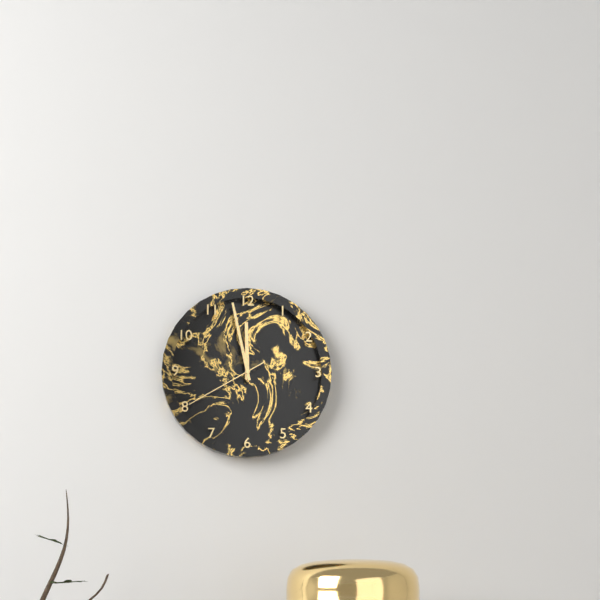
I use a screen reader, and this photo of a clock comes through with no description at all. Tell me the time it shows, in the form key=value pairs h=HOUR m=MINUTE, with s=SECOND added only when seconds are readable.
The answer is h=11 m=58 s=40
